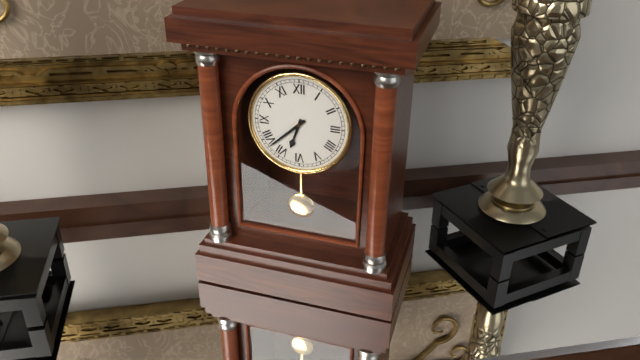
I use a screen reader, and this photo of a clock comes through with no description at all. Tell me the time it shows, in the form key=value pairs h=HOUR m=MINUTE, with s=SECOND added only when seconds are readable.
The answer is h=6 m=38
